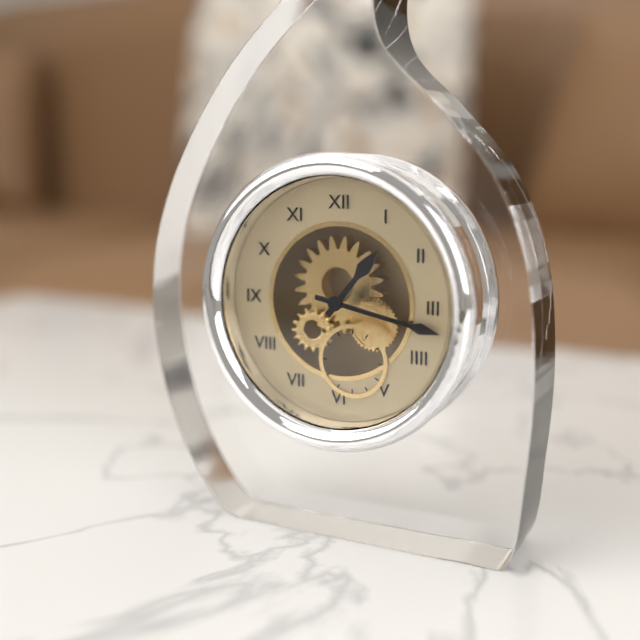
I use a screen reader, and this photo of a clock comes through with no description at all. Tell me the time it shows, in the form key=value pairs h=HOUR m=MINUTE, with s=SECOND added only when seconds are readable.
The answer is h=1 m=17
